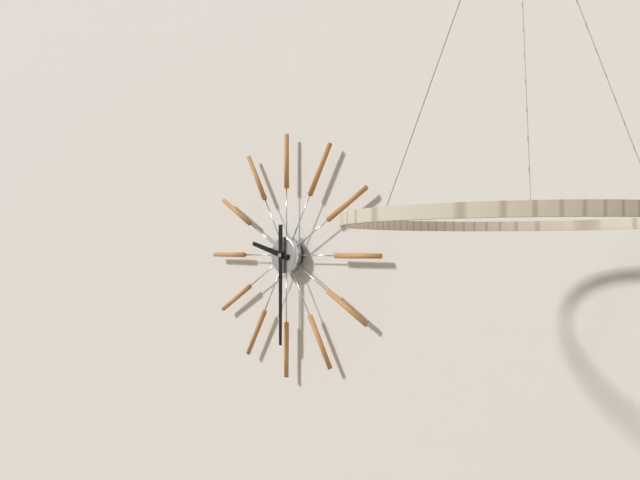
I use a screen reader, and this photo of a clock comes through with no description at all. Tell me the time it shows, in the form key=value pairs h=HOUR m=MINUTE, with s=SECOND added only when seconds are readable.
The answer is h=9 m=30
